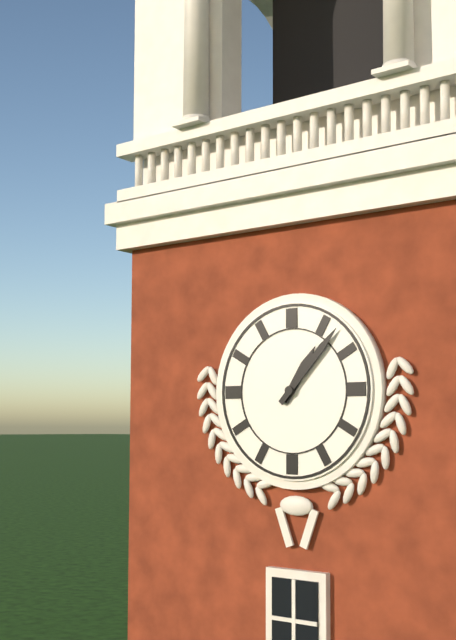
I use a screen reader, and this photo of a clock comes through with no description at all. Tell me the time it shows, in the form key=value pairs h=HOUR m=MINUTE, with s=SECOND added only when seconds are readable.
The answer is h=1 m=7
